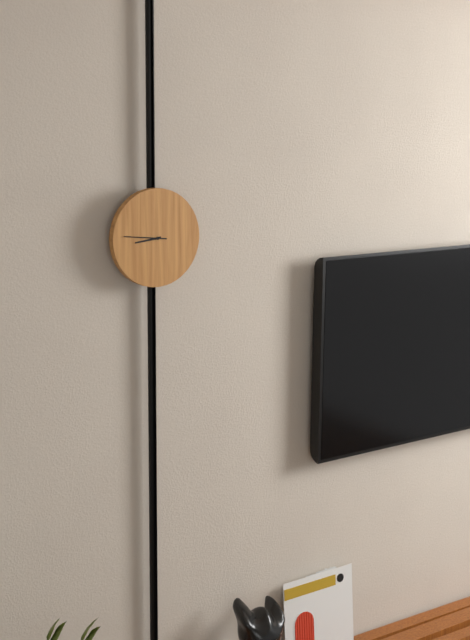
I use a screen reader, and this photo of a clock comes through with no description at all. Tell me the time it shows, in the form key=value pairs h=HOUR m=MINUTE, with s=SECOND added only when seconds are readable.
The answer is h=8 m=46
